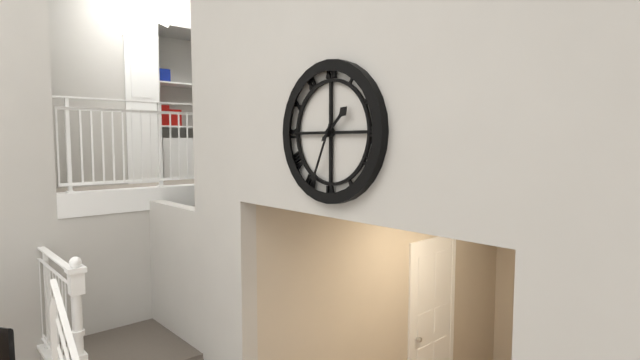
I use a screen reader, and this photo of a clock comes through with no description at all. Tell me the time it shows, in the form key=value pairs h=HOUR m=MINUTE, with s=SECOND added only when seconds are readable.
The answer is h=1 m=34
